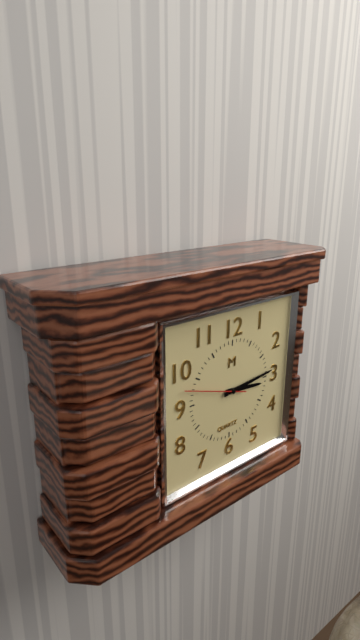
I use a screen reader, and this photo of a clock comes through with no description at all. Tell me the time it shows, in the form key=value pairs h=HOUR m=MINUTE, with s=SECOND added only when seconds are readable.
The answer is h=3 m=14 s=48
